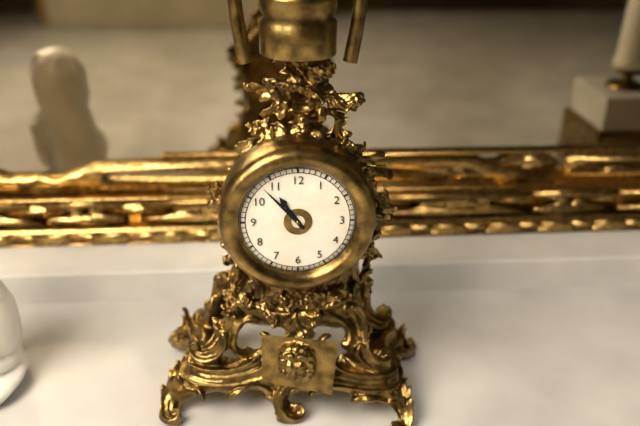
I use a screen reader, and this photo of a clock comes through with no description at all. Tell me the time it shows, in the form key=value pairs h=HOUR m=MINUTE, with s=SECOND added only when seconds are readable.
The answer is h=10 m=53
